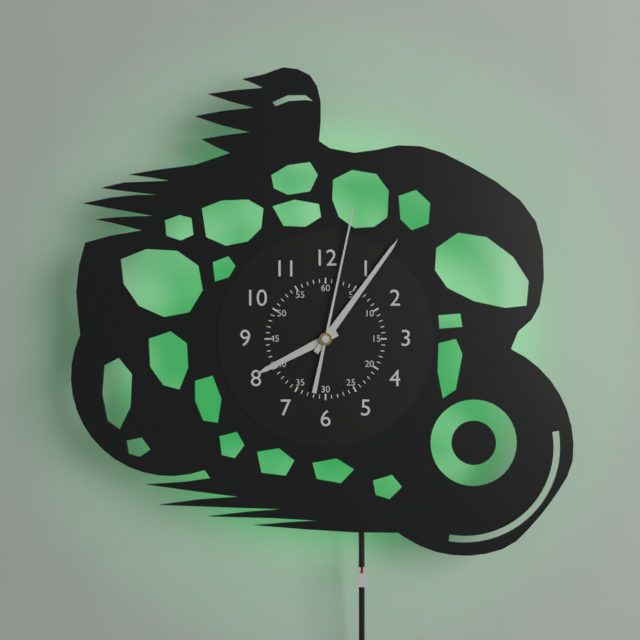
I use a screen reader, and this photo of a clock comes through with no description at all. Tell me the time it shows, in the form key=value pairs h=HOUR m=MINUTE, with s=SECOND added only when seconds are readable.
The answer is h=8 m=6 s=2
